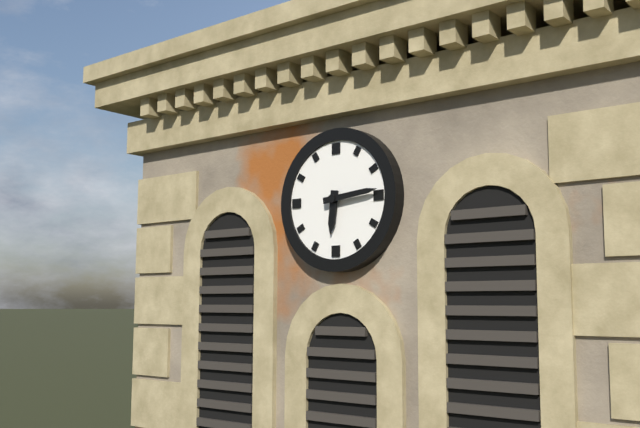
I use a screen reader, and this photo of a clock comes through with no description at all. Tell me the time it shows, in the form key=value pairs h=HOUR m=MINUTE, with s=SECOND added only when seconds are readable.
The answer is h=6 m=14
